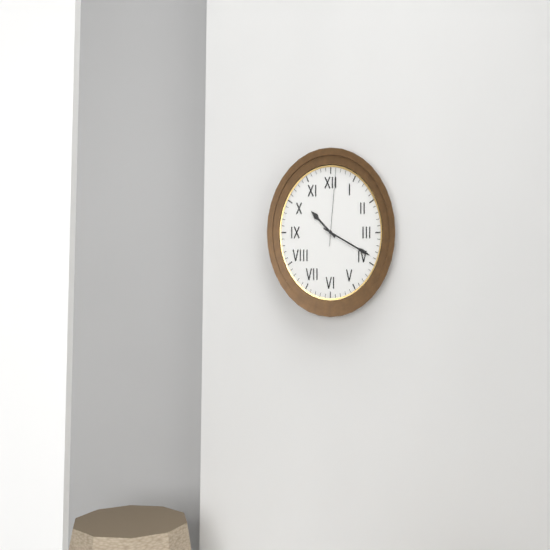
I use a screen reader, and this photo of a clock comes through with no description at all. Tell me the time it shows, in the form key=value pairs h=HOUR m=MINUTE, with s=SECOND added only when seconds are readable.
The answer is h=10 m=19 s=1
